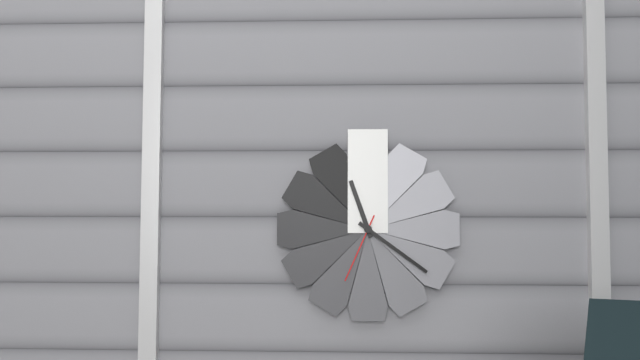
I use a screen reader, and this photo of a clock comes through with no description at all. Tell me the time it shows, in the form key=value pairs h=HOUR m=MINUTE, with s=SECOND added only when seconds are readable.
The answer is h=11 m=21 s=34
